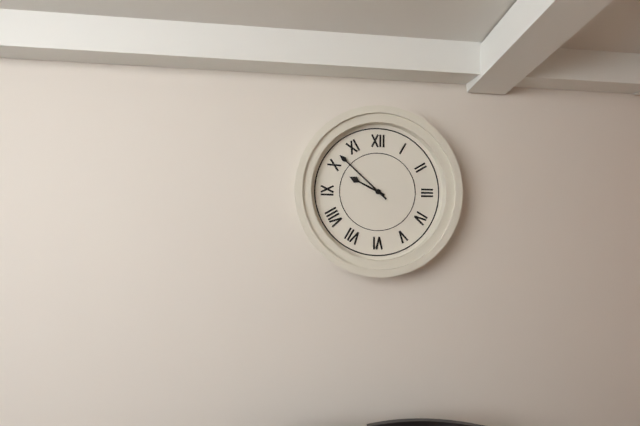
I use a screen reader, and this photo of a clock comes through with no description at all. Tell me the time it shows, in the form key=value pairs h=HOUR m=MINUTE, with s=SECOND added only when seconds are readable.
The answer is h=9 m=52
